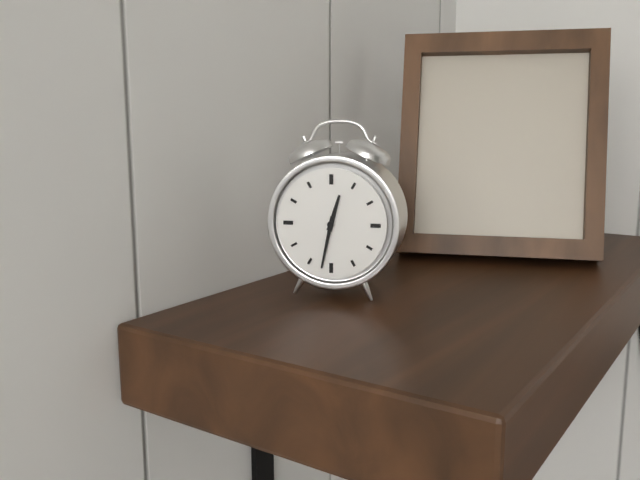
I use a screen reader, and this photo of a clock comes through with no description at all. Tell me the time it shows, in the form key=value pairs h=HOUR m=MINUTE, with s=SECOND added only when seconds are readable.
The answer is h=12 m=32
